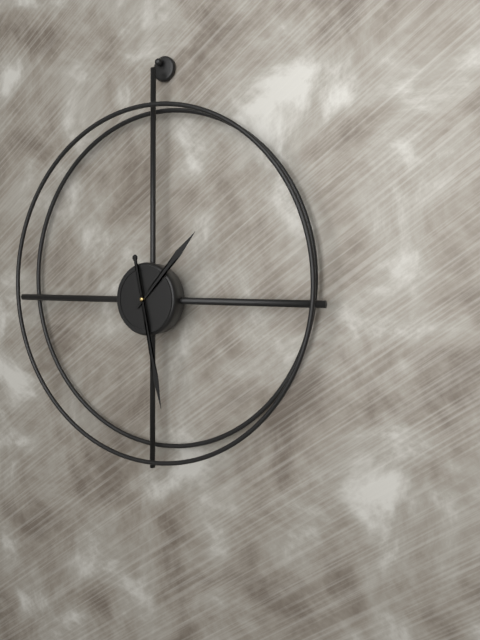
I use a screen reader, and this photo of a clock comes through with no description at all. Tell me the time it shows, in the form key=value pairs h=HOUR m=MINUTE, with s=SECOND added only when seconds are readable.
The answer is h=1 m=28
